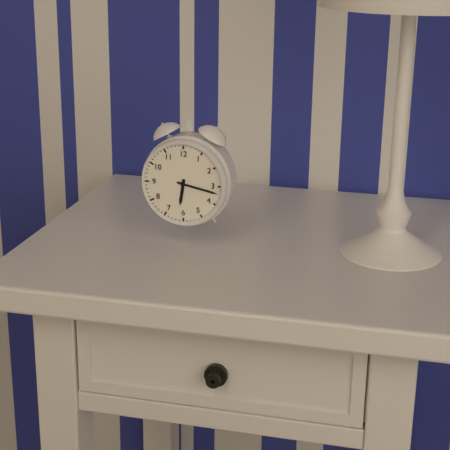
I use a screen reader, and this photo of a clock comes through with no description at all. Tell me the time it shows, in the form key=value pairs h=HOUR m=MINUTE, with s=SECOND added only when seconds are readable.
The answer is h=6 m=17
